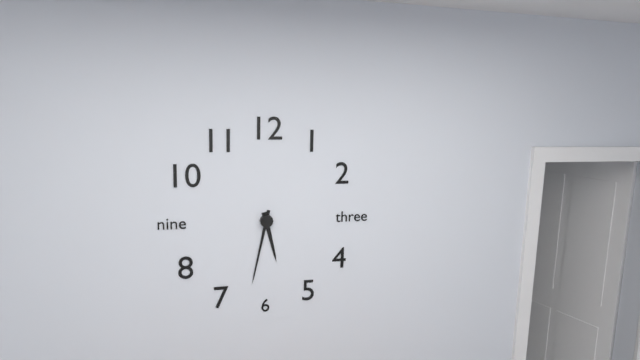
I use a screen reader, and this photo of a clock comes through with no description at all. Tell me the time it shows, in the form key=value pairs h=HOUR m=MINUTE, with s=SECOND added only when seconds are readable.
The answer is h=5 m=32
